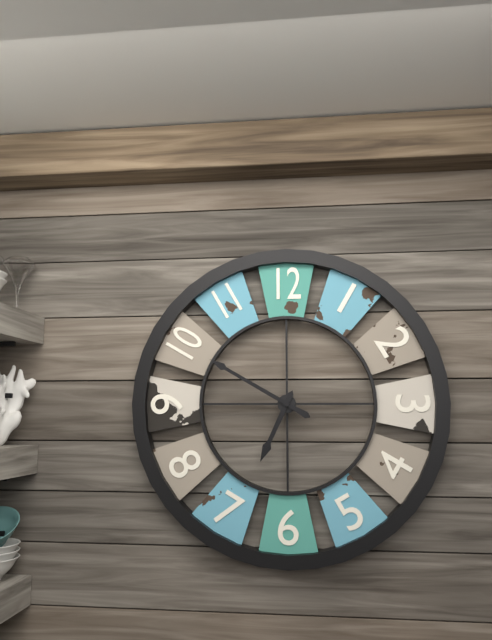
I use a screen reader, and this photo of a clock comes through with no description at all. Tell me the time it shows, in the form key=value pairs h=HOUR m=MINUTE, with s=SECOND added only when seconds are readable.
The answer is h=6 m=50
